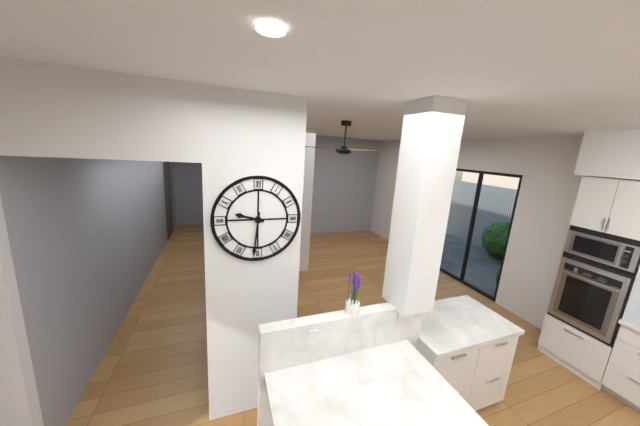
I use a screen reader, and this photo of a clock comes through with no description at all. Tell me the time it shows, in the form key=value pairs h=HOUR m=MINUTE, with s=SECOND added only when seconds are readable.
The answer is h=9 m=31
